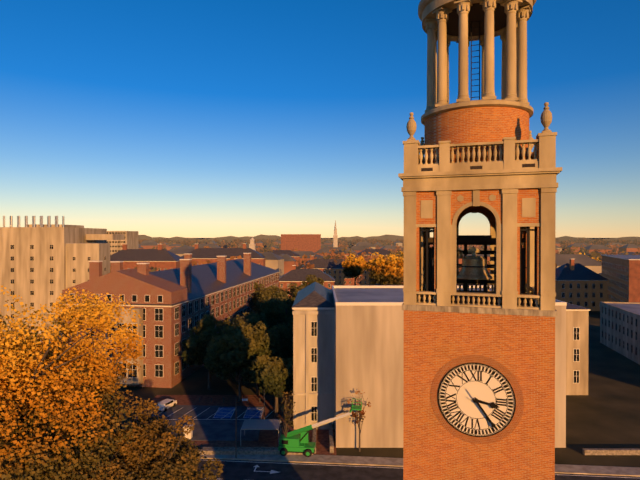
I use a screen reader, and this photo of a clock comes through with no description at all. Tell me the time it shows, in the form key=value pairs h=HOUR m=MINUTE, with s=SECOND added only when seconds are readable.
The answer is h=3 m=24
